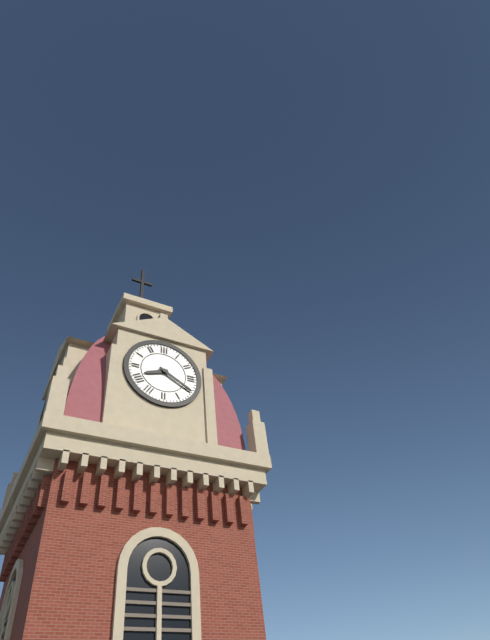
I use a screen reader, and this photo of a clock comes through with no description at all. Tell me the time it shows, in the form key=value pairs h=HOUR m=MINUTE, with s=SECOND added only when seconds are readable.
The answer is h=8 m=20
